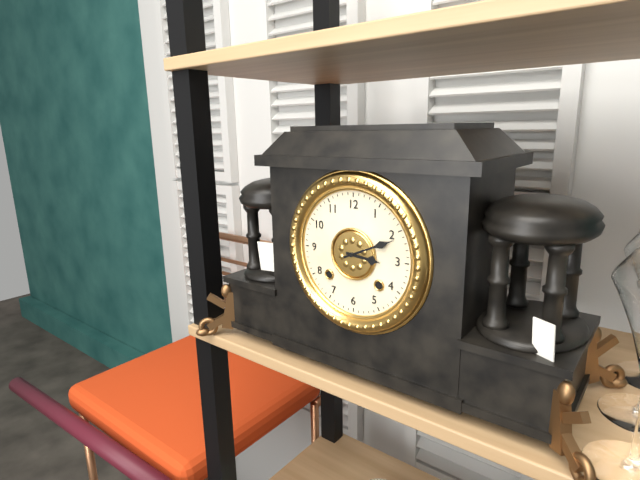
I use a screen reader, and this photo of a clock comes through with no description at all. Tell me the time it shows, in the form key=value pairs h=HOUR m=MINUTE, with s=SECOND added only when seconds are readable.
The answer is h=3 m=11
